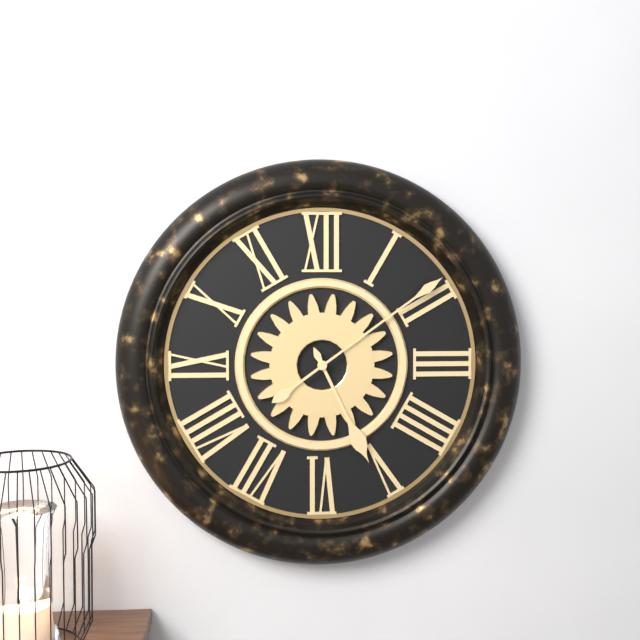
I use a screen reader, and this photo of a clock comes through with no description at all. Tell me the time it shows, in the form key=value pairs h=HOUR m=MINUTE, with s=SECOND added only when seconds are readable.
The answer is h=5 m=9
